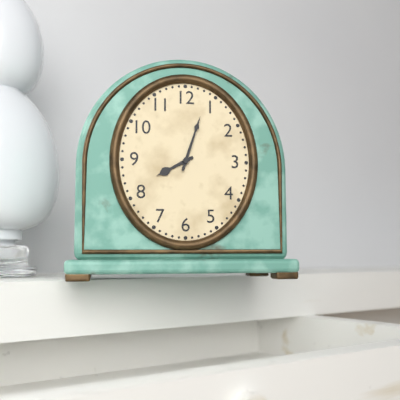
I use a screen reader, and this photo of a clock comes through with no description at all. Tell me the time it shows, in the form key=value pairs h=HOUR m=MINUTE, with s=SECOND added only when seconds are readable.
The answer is h=8 m=3
